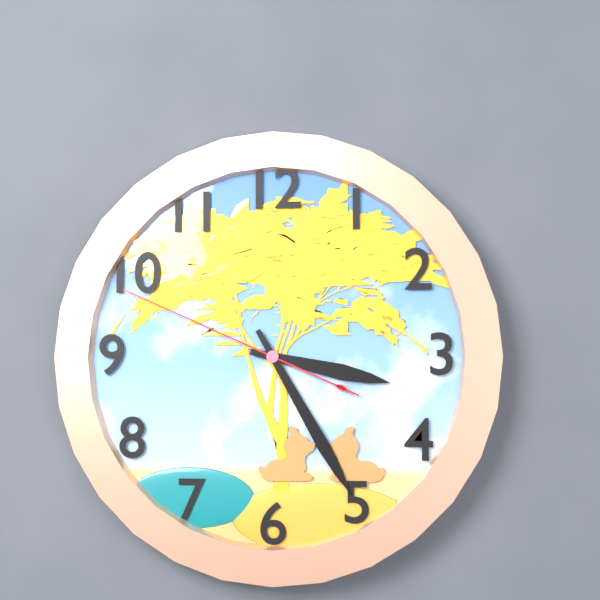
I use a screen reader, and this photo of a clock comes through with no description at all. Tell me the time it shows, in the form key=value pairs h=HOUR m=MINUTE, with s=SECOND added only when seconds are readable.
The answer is h=3 m=25 s=49
